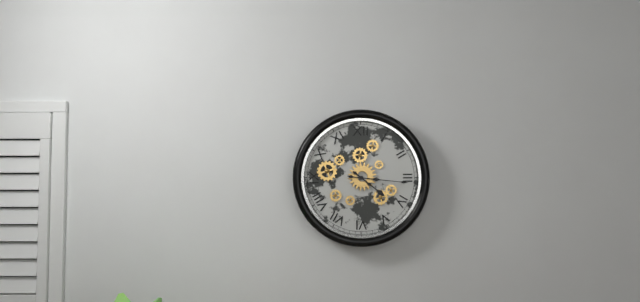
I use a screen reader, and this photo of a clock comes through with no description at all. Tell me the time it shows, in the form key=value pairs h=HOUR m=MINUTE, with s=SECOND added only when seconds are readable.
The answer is h=4 m=16
